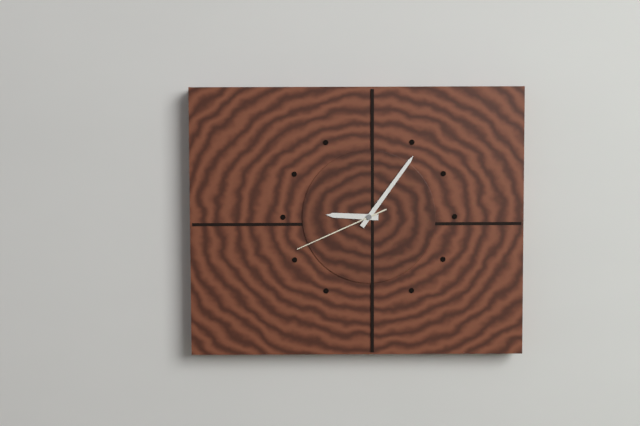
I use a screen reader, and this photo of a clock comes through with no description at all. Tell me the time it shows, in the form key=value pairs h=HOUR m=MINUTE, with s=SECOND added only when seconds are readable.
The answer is h=9 m=6 s=41
